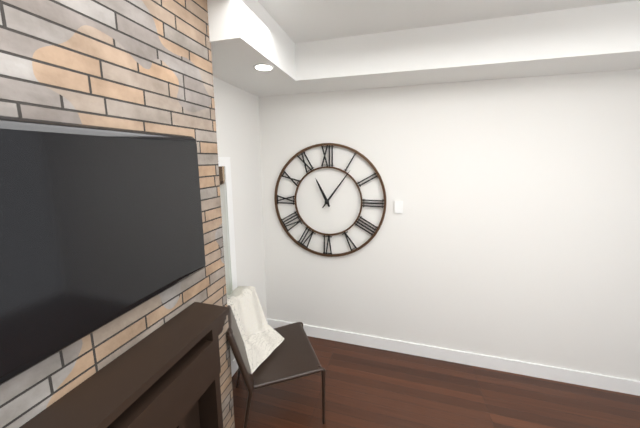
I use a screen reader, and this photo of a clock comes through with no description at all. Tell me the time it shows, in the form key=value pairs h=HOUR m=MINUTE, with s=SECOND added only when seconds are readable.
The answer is h=11 m=6
